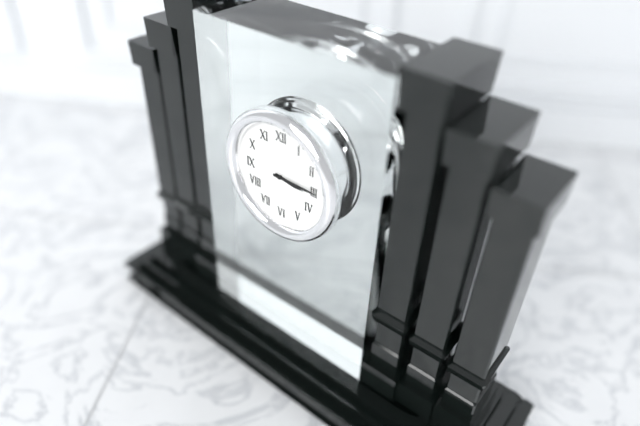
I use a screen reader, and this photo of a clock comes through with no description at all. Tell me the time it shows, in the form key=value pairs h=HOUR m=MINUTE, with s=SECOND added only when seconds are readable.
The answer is h=3 m=15
